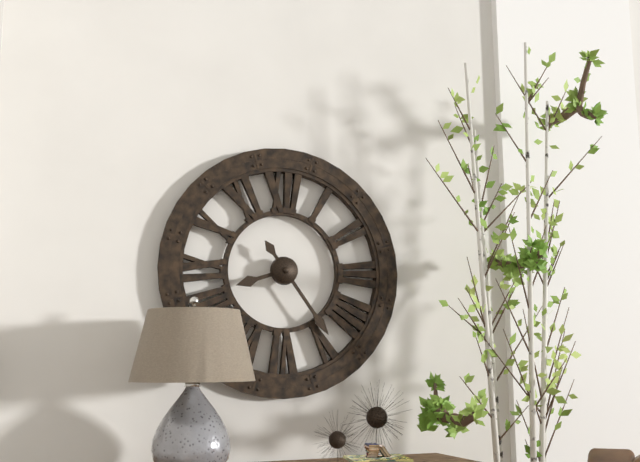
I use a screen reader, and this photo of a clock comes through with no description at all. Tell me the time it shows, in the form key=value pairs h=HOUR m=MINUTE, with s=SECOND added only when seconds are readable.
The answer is h=8 m=24
